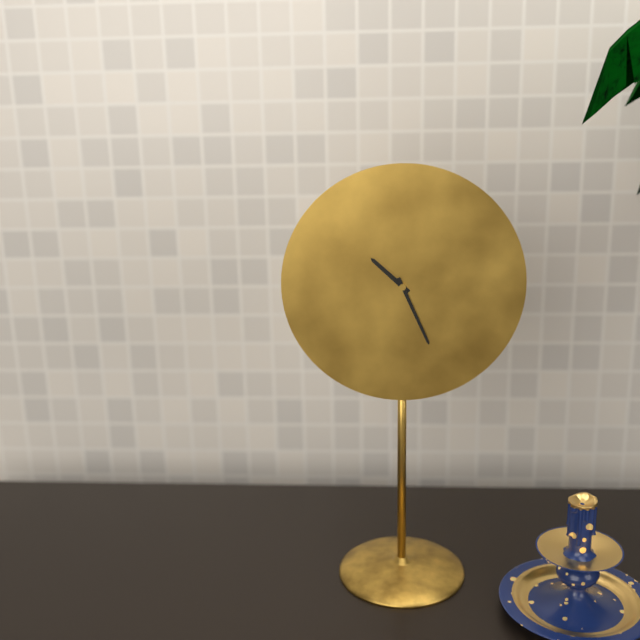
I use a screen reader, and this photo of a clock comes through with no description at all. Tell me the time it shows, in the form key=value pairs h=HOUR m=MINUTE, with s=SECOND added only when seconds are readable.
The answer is h=10 m=26
